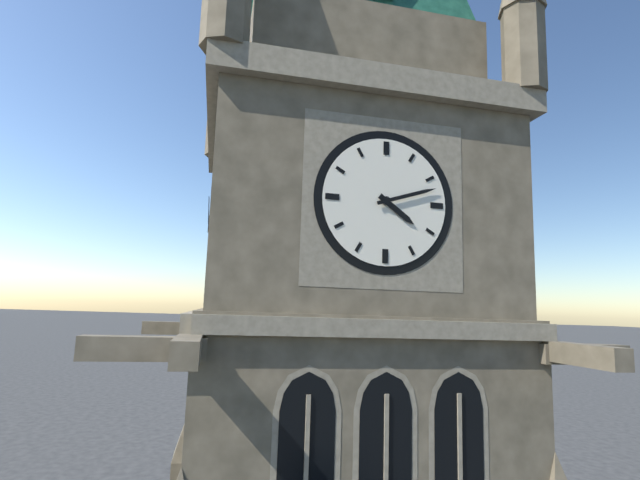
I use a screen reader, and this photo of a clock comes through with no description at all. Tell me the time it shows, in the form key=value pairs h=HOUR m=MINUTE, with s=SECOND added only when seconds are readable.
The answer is h=4 m=12
